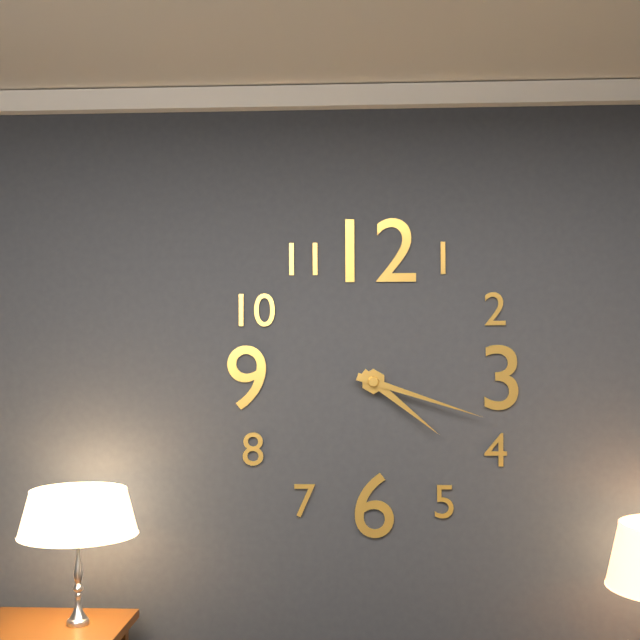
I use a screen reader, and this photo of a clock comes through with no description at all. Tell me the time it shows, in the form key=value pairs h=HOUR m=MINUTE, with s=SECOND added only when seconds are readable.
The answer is h=4 m=18
